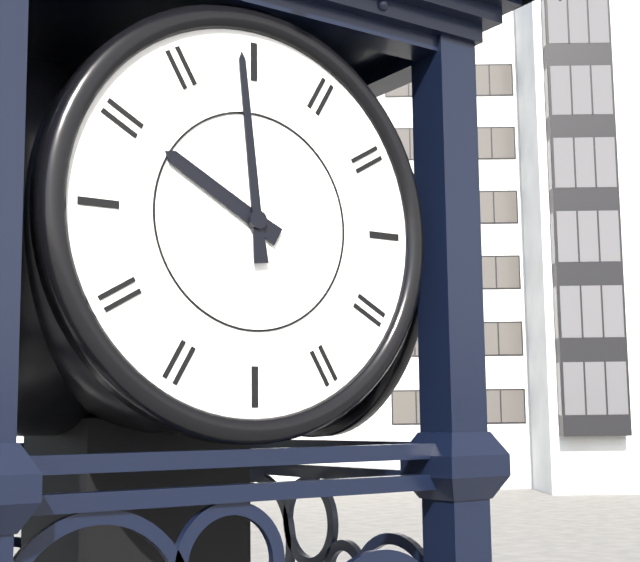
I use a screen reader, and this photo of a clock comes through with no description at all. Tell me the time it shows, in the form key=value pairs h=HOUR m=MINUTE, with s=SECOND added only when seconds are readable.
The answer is h=9 m=59
